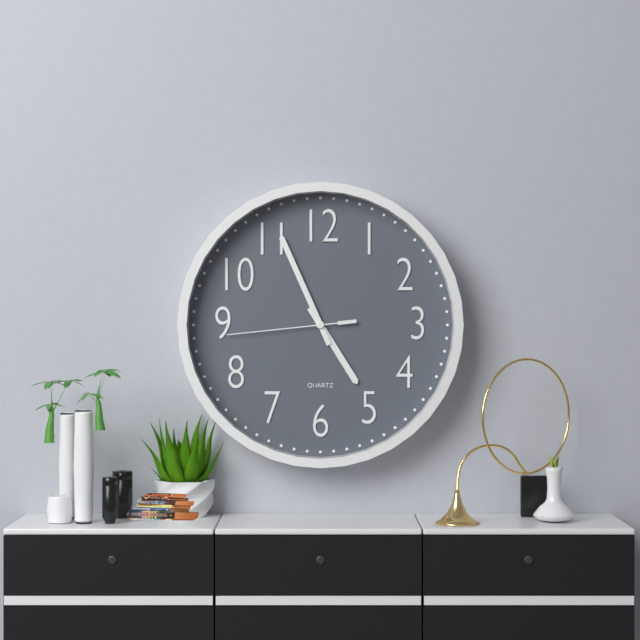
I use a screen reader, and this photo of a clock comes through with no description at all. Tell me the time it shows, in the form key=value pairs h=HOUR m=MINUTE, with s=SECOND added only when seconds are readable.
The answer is h=4 m=56 s=44
